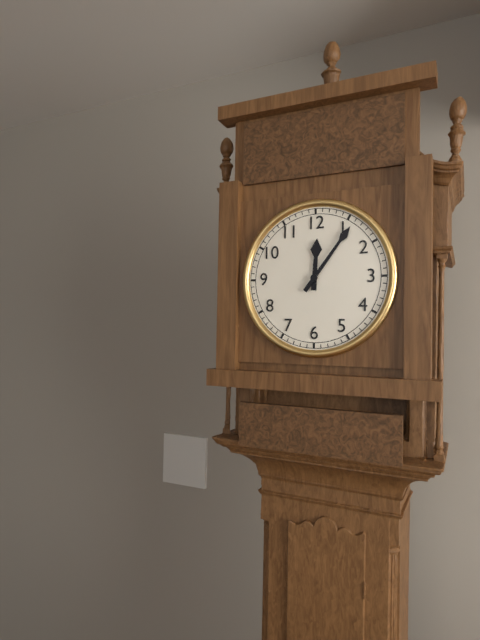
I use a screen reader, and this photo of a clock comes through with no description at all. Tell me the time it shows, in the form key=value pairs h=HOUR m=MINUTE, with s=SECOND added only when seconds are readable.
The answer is h=12 m=6
